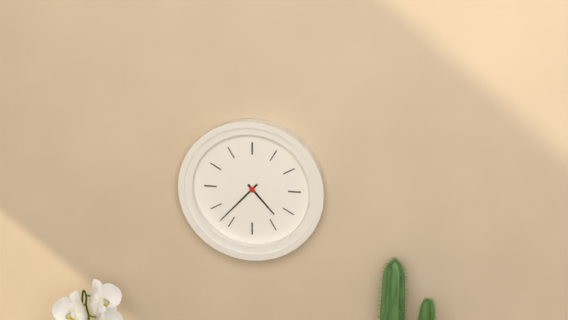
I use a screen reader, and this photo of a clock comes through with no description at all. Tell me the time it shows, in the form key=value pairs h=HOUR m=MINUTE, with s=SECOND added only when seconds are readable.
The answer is h=4 m=37
